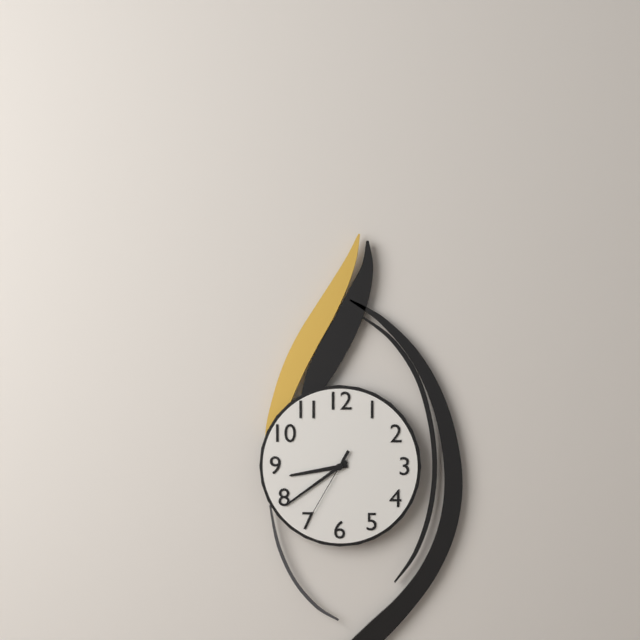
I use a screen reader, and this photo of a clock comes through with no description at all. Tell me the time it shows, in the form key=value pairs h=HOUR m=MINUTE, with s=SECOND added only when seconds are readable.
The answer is h=8 m=39 s=35
